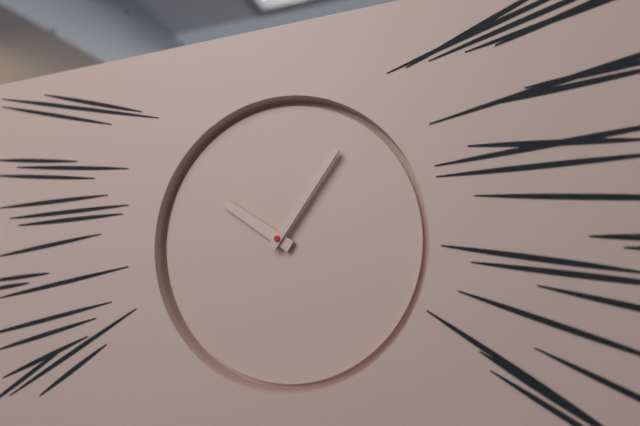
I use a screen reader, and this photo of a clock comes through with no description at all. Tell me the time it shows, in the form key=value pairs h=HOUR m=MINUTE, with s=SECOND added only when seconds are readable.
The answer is h=10 m=6
